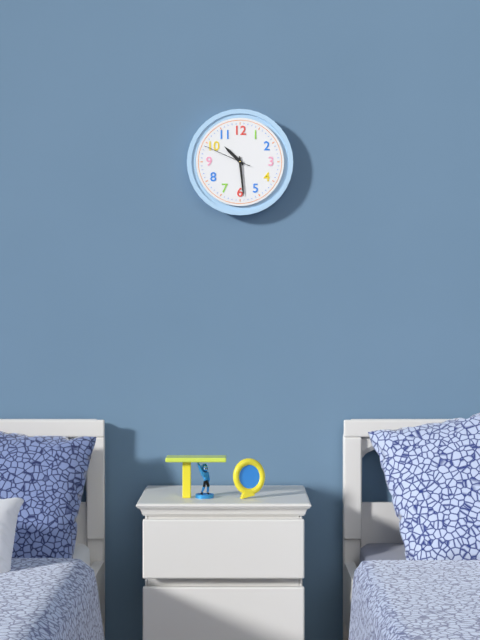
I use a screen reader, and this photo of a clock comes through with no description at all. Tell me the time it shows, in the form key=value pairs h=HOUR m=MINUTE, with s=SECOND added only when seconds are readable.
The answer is h=10 m=29
